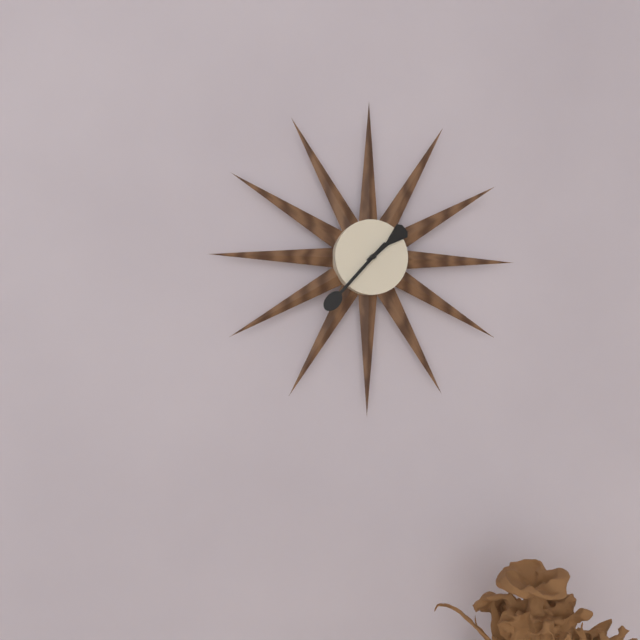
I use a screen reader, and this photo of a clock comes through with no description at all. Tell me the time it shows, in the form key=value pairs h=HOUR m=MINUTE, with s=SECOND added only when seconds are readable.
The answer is h=1 m=37
